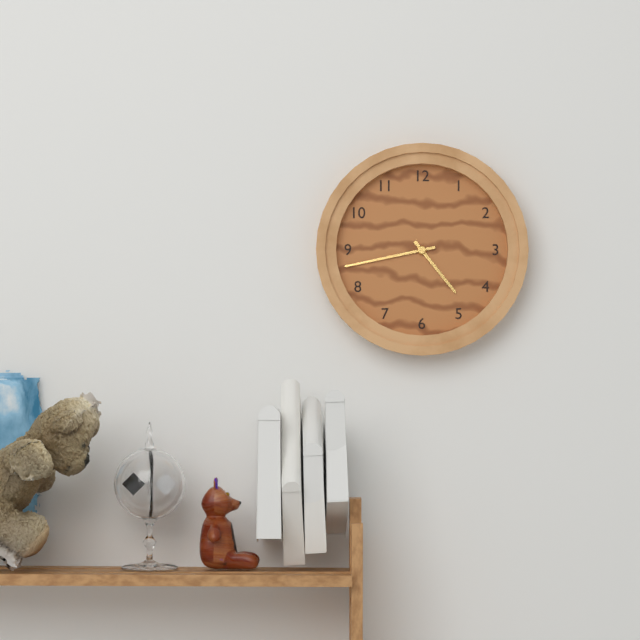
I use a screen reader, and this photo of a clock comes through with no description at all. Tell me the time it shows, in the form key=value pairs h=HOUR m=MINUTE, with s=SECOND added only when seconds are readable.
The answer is h=4 m=43
